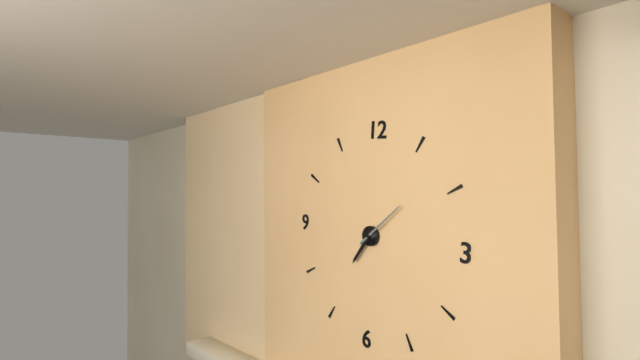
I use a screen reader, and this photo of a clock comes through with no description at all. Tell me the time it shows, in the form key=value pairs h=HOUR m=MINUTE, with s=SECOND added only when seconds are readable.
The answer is h=7 m=8
